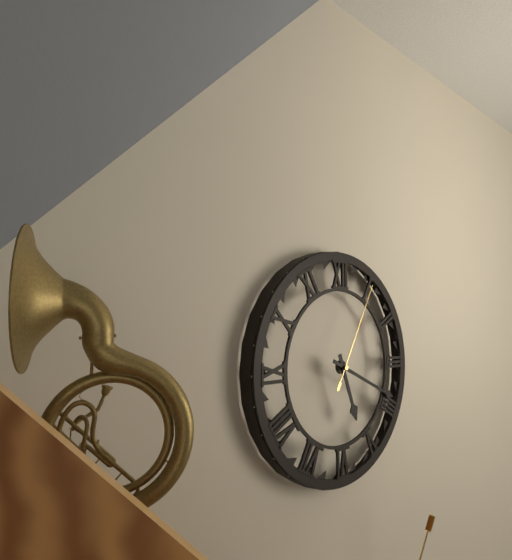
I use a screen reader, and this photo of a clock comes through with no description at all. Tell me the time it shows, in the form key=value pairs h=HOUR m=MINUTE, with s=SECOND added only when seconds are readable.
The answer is h=5 m=19 s=5
